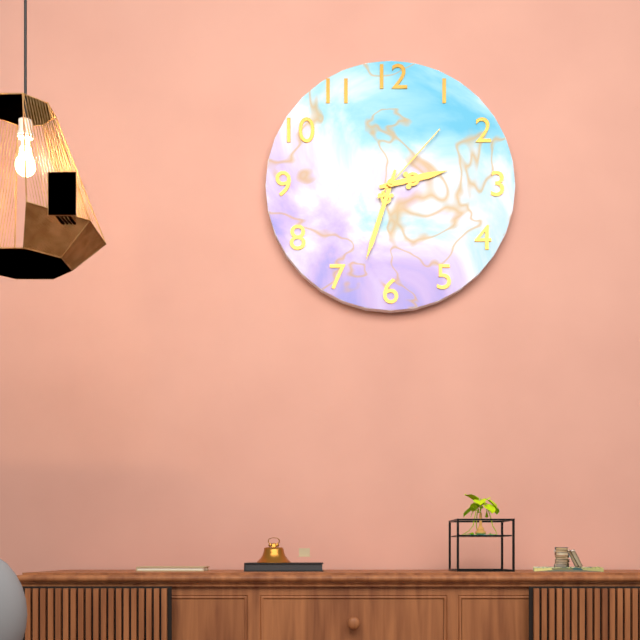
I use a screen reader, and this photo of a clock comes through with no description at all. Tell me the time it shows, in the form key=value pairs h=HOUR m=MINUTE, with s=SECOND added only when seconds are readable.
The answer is h=2 m=33 s=7
